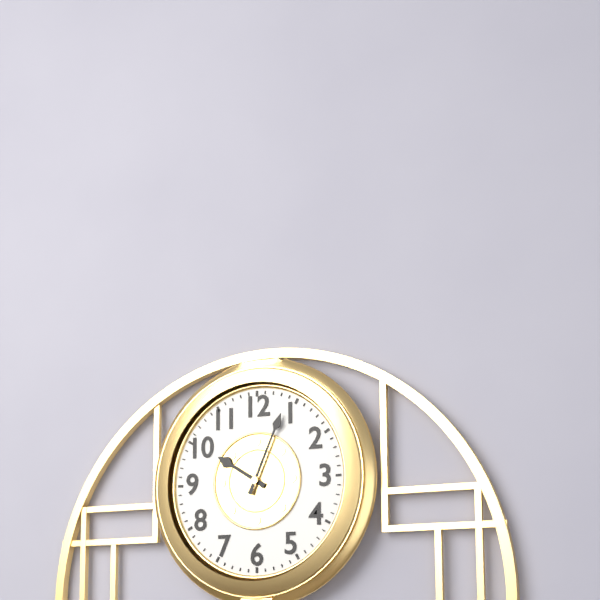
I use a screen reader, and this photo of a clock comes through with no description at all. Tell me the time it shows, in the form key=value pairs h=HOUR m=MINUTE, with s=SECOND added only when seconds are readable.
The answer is h=10 m=4
